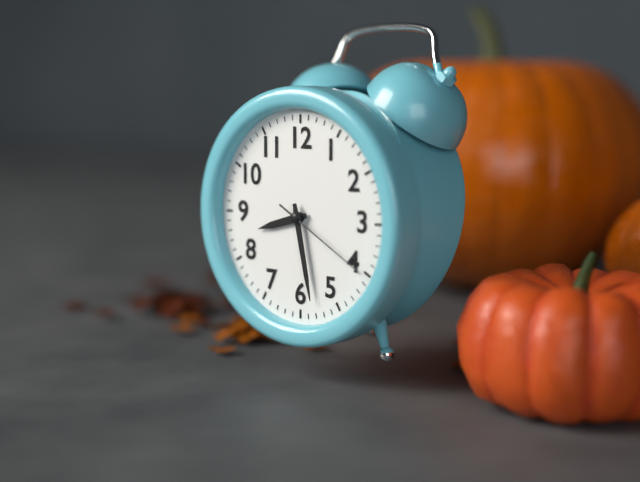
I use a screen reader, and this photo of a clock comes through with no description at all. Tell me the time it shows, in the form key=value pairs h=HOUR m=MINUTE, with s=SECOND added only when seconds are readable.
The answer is h=8 m=28 s=20
